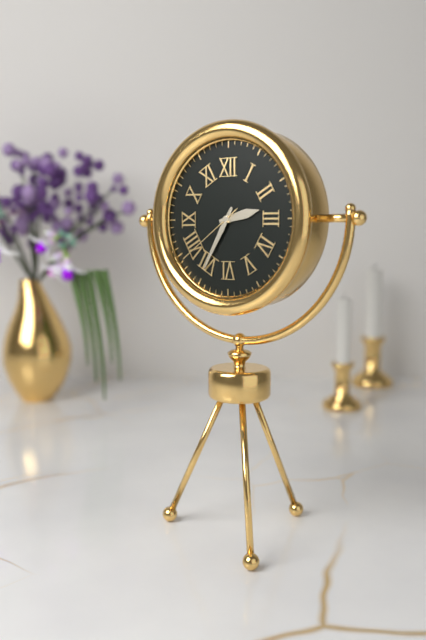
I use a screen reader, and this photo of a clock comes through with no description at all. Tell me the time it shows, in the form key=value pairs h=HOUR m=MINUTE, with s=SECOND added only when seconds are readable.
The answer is h=2 m=35 s=39
